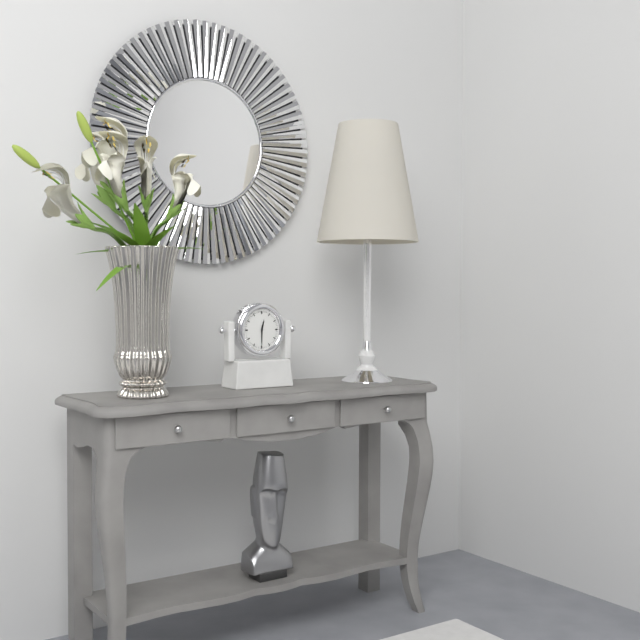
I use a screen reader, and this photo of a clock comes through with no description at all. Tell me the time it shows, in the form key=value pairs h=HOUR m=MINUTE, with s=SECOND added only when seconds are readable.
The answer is h=12 m=30
